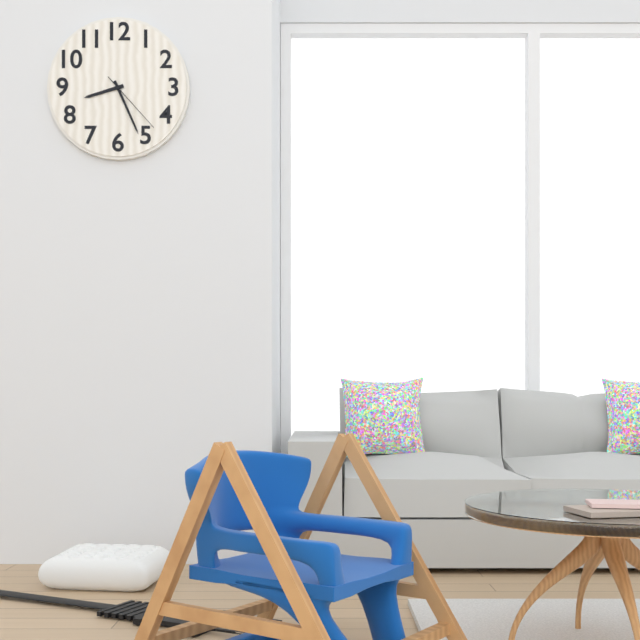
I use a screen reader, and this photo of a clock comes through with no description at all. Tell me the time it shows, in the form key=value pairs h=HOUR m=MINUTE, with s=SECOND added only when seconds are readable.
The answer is h=8 m=26 s=23
